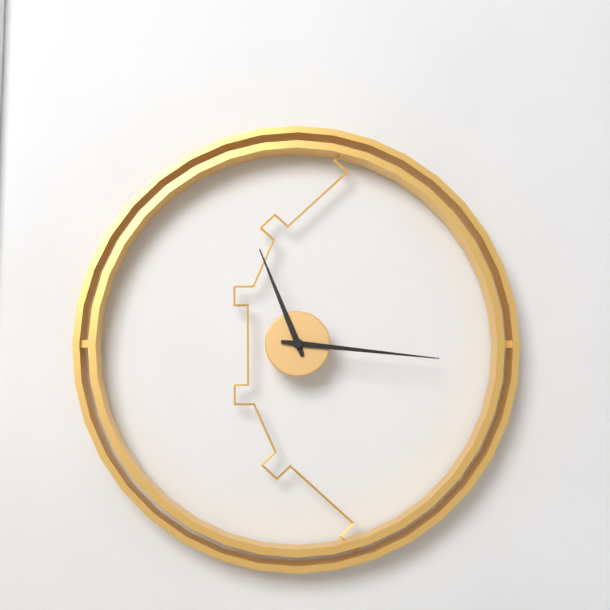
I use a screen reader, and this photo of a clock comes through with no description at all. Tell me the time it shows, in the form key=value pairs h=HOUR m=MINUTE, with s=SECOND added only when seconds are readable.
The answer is h=11 m=16
